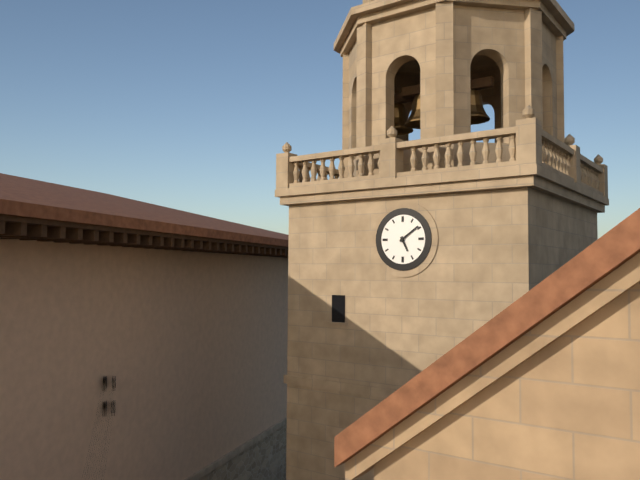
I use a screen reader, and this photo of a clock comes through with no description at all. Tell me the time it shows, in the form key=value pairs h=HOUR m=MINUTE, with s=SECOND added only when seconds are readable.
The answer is h=5 m=9
